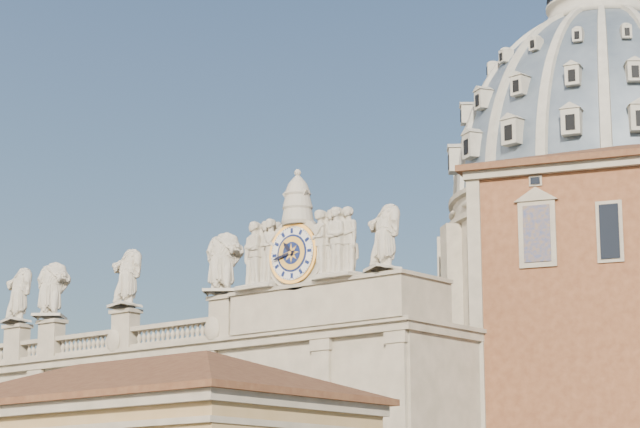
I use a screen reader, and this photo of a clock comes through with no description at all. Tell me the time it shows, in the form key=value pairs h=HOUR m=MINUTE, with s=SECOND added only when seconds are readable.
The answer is h=10 m=43
